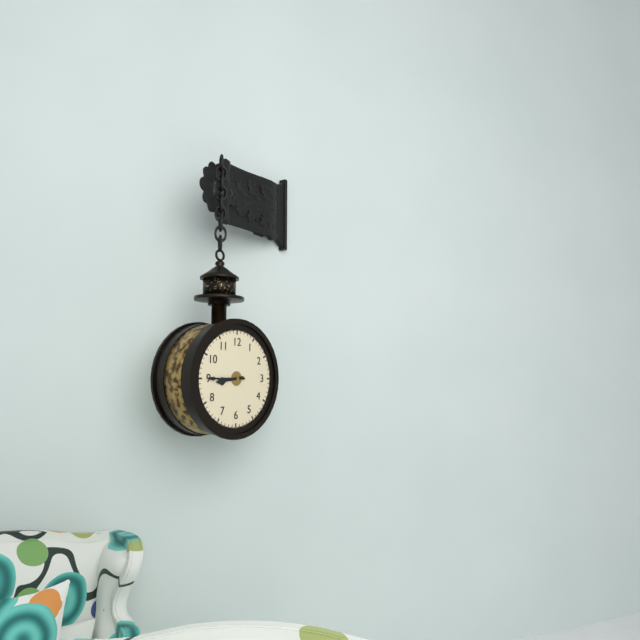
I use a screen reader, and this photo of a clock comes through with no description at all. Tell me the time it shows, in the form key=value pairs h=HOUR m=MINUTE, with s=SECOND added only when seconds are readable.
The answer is h=8 m=45
